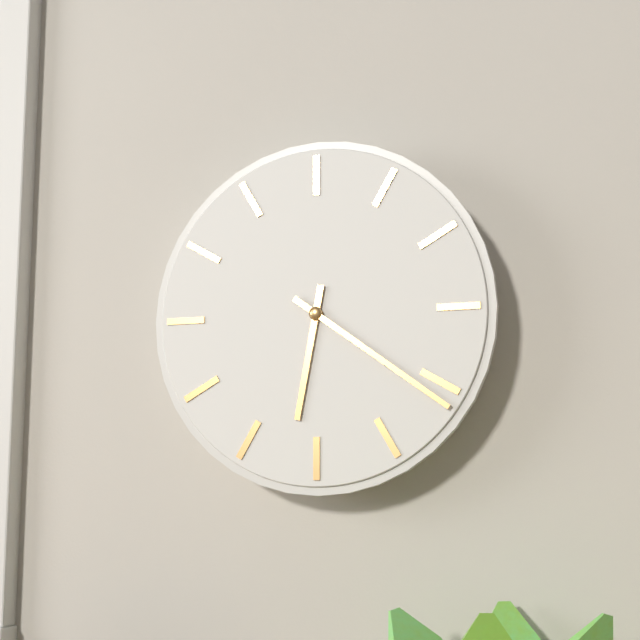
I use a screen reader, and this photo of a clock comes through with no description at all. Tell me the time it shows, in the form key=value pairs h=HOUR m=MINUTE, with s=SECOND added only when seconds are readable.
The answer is h=6 m=21
